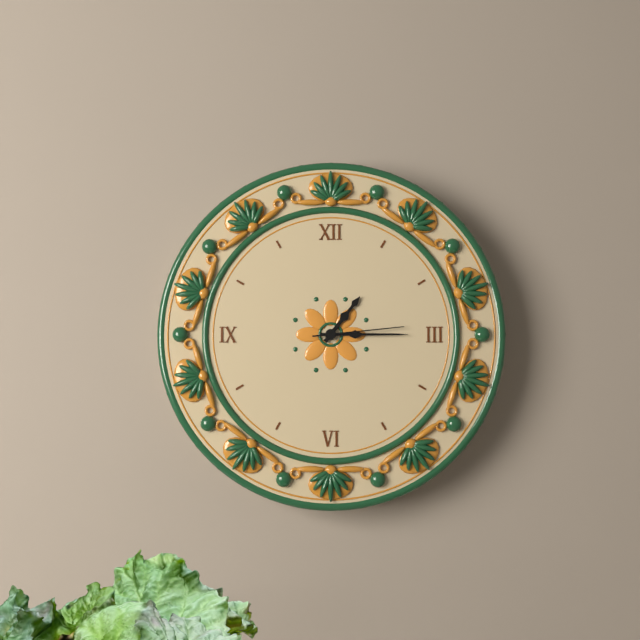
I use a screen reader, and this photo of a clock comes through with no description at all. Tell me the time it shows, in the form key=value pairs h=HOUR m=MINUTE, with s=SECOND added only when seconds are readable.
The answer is h=1 m=15 s=14
